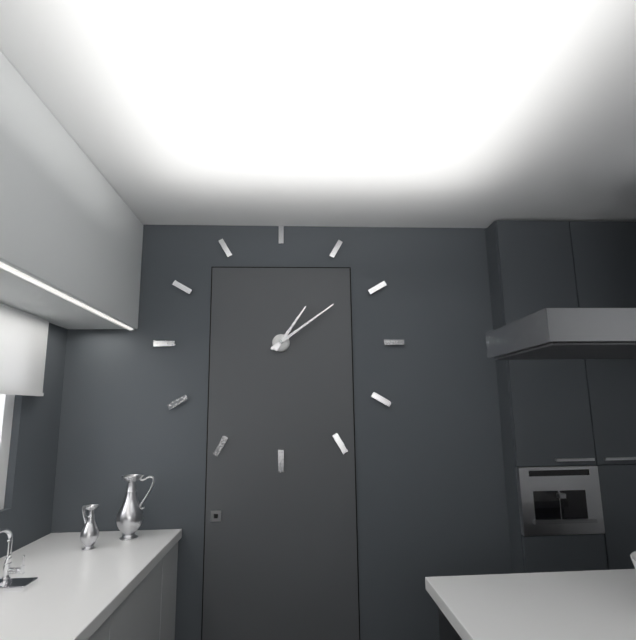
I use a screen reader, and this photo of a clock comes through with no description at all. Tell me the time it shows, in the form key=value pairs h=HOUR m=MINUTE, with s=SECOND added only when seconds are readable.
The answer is h=1 m=9
